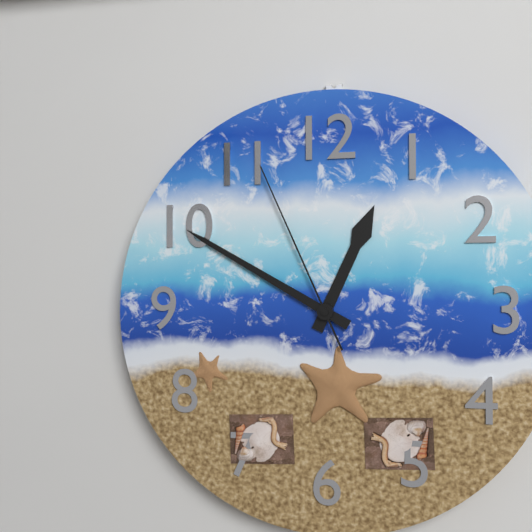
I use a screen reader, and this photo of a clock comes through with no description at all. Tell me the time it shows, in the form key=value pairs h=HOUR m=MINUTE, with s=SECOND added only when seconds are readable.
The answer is h=12 m=50 s=56
